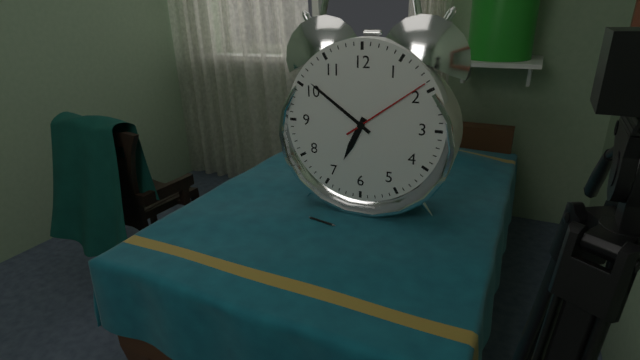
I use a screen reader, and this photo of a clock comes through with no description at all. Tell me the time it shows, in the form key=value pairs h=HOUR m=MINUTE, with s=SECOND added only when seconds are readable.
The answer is h=6 m=51 s=9
